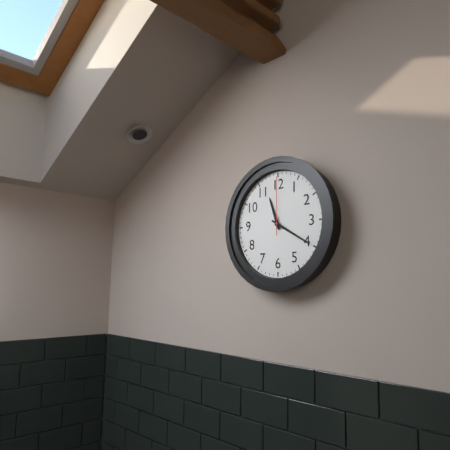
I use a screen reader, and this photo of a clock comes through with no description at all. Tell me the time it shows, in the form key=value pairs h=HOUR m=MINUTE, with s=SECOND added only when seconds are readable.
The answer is h=11 m=20 s=0
